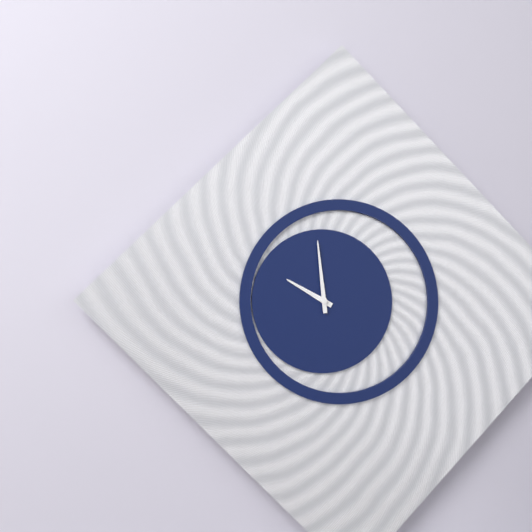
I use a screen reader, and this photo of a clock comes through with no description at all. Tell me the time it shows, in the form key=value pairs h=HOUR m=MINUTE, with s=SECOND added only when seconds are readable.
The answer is h=9 m=59
